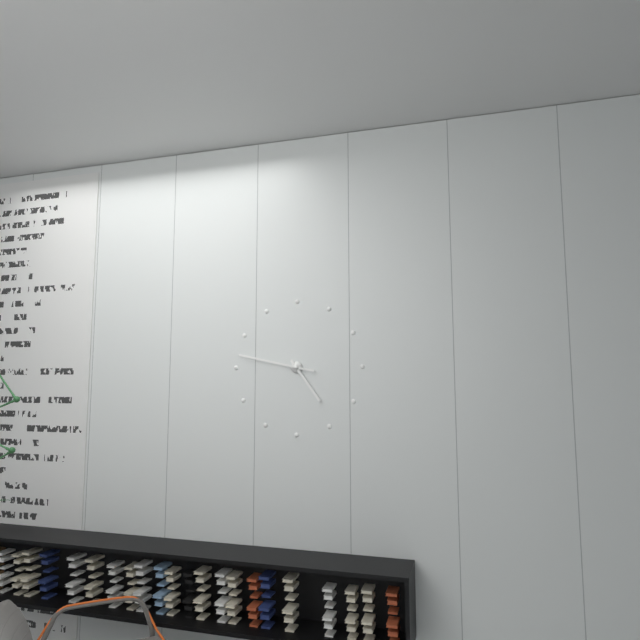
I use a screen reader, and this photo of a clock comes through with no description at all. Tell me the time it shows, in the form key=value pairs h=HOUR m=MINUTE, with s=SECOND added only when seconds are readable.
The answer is h=4 m=47
